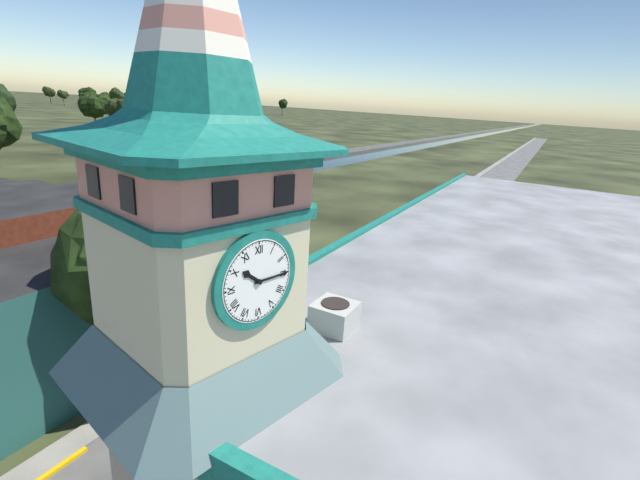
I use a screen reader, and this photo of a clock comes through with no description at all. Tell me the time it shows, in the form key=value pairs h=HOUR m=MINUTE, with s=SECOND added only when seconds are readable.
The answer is h=10 m=15
